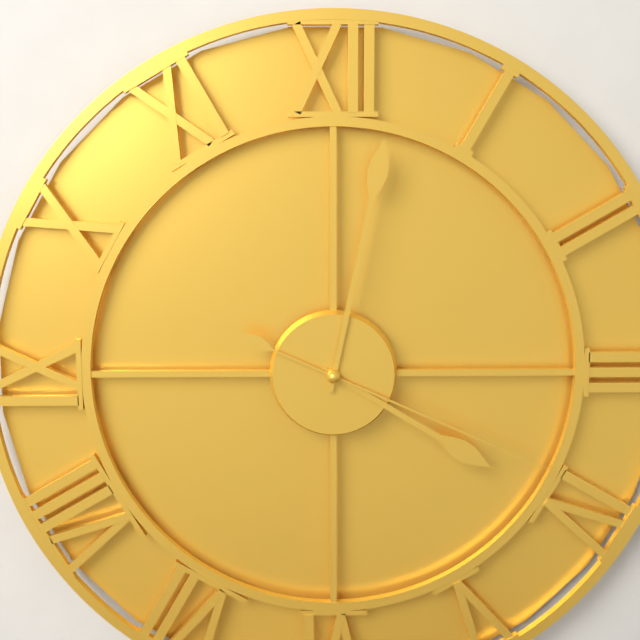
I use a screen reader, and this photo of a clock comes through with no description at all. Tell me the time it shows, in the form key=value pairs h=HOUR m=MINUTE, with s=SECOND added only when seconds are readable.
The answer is h=4 m=2 s=19
